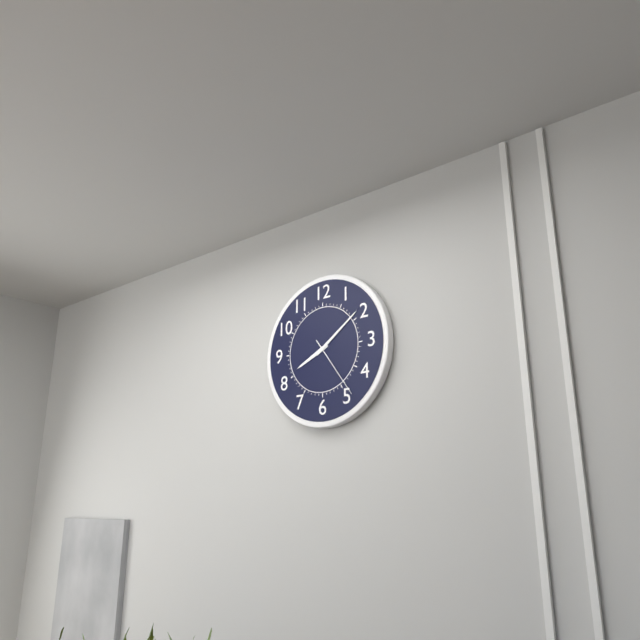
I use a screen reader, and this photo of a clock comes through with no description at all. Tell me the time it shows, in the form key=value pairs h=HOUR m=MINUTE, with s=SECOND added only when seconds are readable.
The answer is h=8 m=9 s=24
